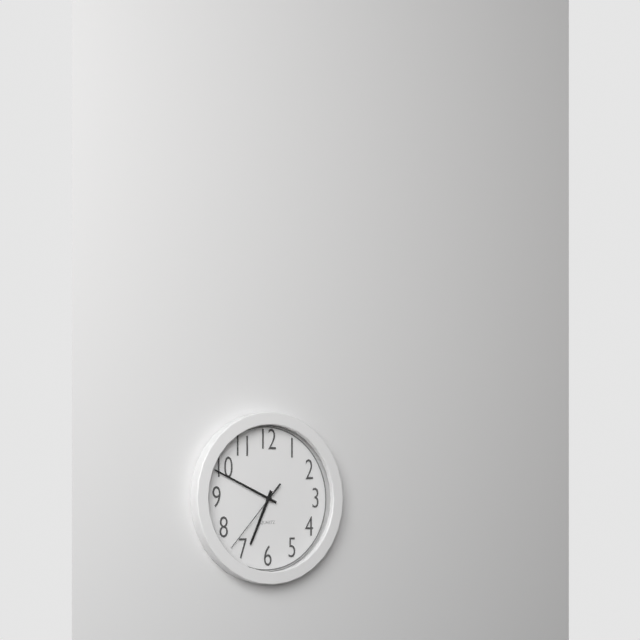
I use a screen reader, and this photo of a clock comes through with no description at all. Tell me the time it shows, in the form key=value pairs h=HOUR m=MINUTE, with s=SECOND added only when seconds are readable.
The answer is h=6 m=49 s=37
